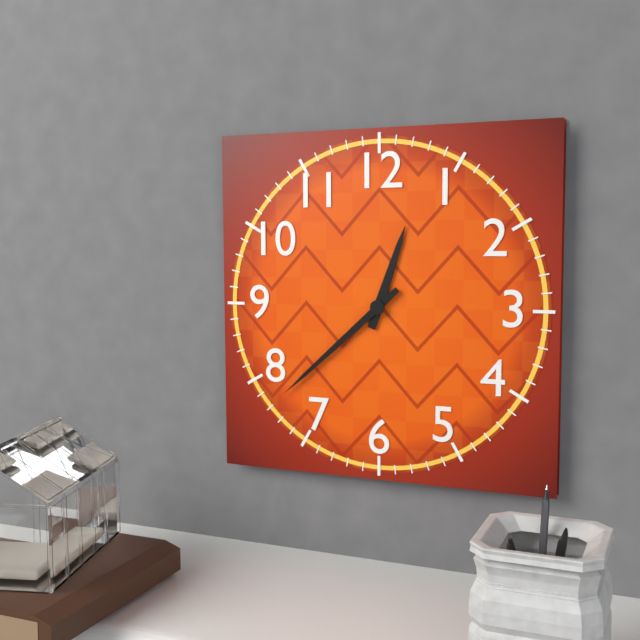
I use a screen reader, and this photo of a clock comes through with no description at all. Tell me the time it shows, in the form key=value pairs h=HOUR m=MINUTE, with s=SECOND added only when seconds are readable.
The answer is h=12 m=38
